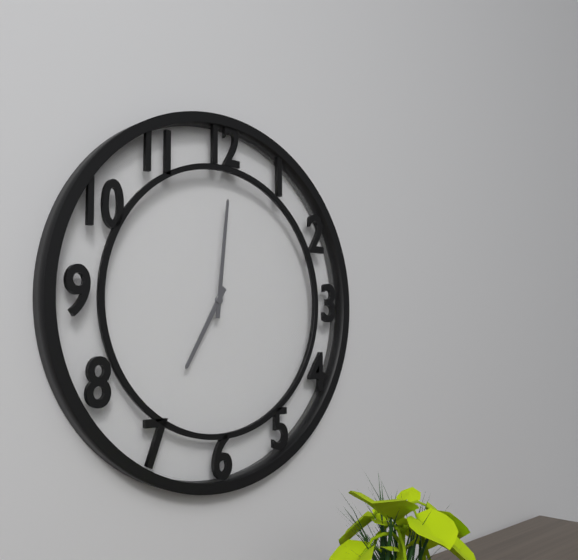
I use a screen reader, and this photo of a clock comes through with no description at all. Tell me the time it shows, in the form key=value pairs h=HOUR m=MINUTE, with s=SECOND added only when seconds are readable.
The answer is h=7 m=1
